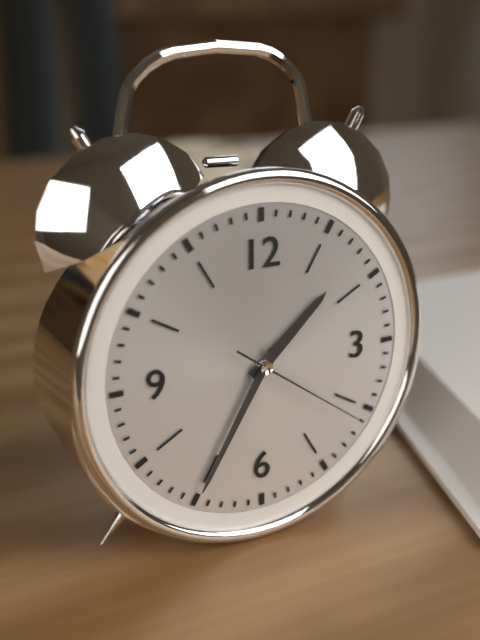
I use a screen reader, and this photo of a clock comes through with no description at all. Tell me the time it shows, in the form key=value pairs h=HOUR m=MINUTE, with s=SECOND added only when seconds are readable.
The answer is h=1 m=35 s=21
